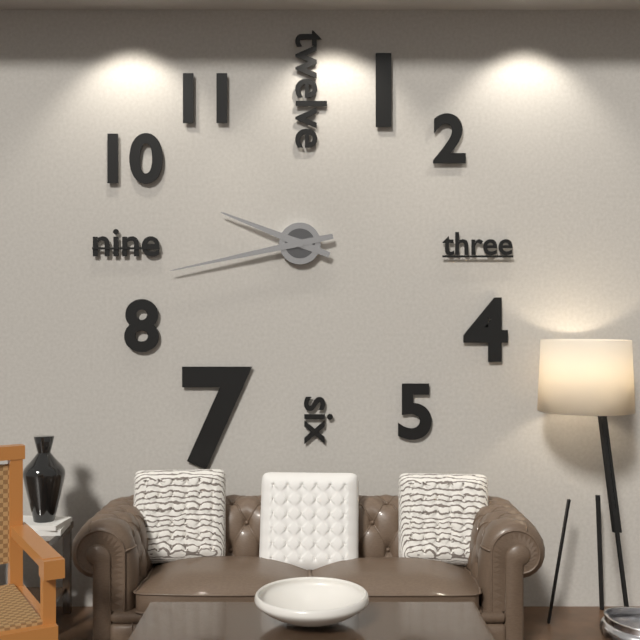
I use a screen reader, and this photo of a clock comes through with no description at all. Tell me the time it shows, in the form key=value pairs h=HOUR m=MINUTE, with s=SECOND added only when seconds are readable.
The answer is h=9 m=43
